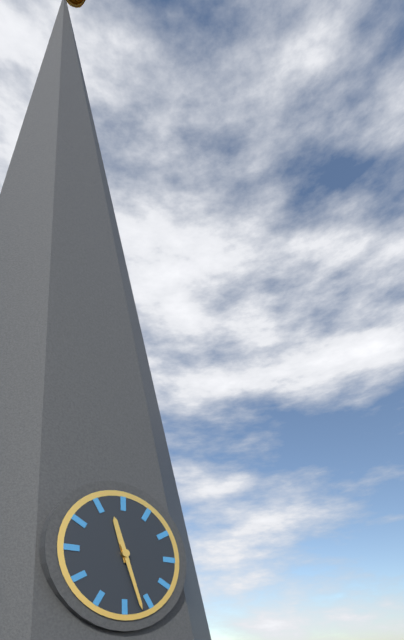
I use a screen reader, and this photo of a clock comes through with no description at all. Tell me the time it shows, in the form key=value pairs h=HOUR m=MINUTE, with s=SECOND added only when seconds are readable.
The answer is h=11 m=27
